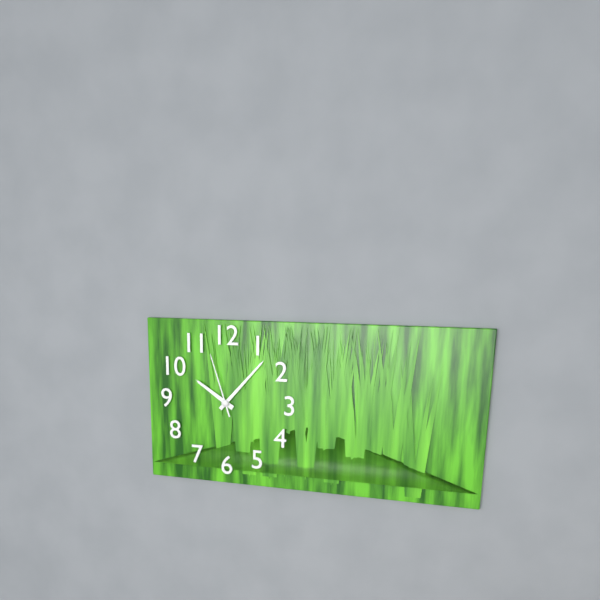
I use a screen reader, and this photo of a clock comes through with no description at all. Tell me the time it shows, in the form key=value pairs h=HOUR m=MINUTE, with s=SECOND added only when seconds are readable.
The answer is h=10 m=7 s=57
